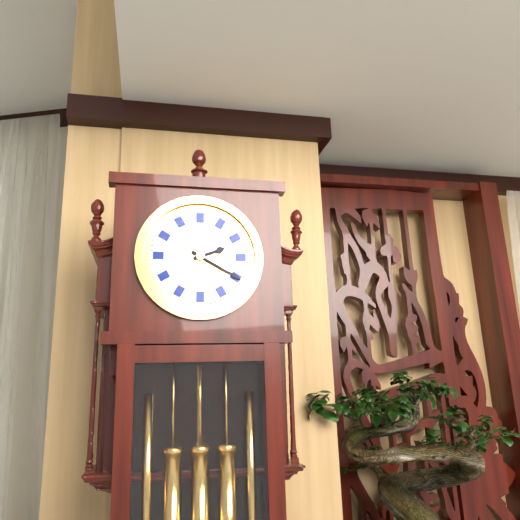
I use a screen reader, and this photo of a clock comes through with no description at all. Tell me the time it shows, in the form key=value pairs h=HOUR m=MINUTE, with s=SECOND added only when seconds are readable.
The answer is h=2 m=20
